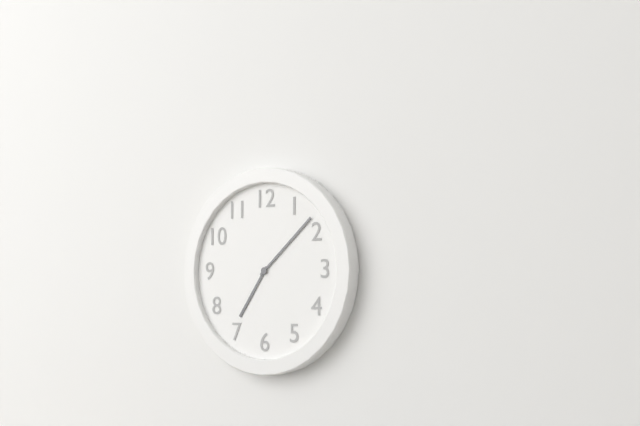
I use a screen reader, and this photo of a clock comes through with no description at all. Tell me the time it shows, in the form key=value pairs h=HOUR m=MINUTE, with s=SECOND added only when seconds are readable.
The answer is h=7 m=8
